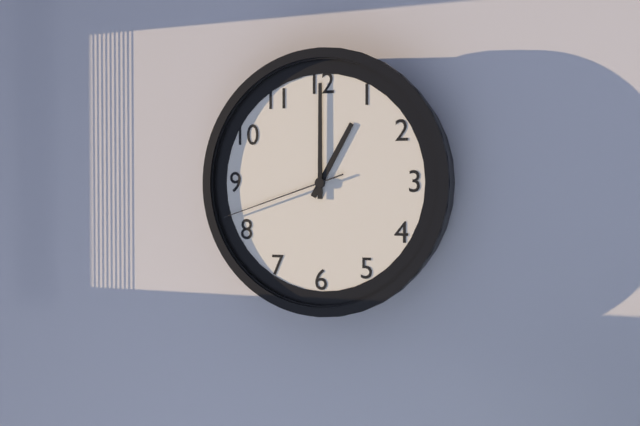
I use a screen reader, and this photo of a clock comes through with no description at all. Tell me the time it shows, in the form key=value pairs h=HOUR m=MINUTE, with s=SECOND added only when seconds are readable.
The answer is h=1 m=0 s=42
